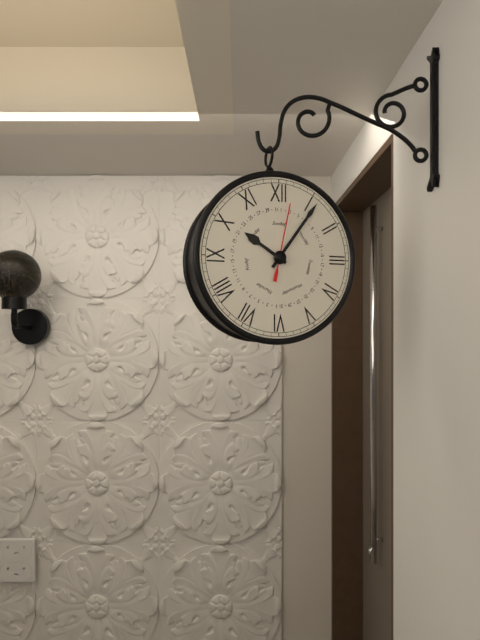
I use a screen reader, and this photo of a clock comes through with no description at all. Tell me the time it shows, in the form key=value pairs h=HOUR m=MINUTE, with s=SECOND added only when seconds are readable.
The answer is h=10 m=6 s=2
